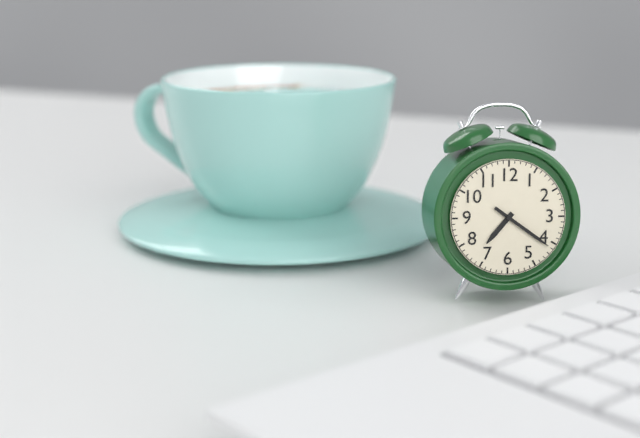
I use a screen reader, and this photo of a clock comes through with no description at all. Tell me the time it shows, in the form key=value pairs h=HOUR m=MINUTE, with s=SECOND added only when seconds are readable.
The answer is h=7 m=21
